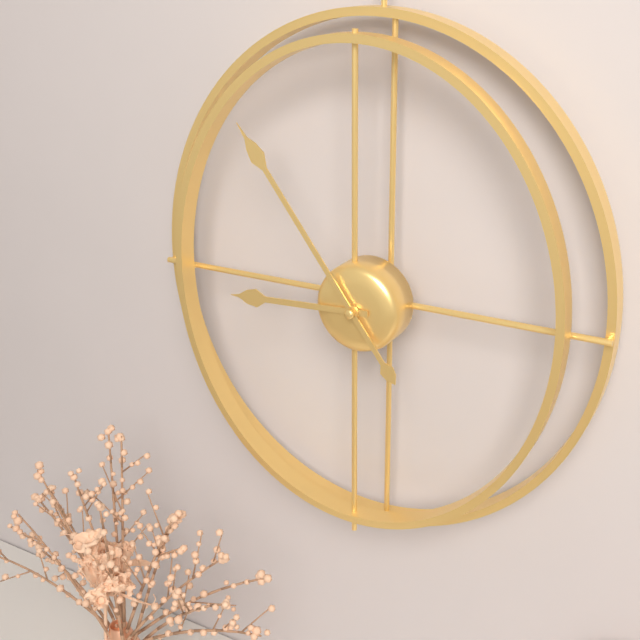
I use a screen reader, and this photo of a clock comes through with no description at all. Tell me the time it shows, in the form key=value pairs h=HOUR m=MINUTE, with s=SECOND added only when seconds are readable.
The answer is h=8 m=54
